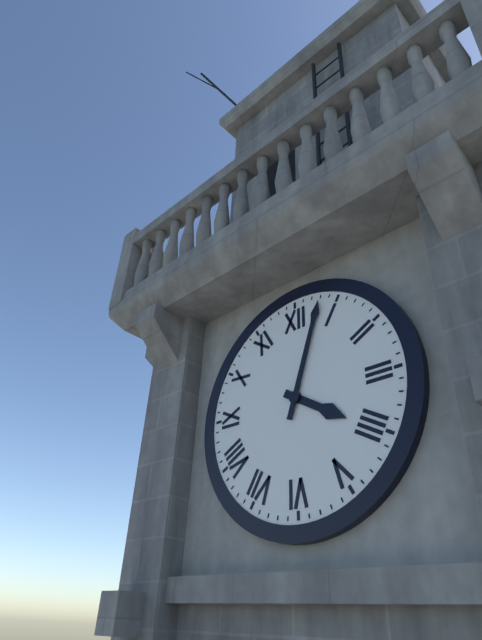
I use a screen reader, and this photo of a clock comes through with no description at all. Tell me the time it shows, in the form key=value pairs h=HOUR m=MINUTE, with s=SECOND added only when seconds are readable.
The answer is h=4 m=3
